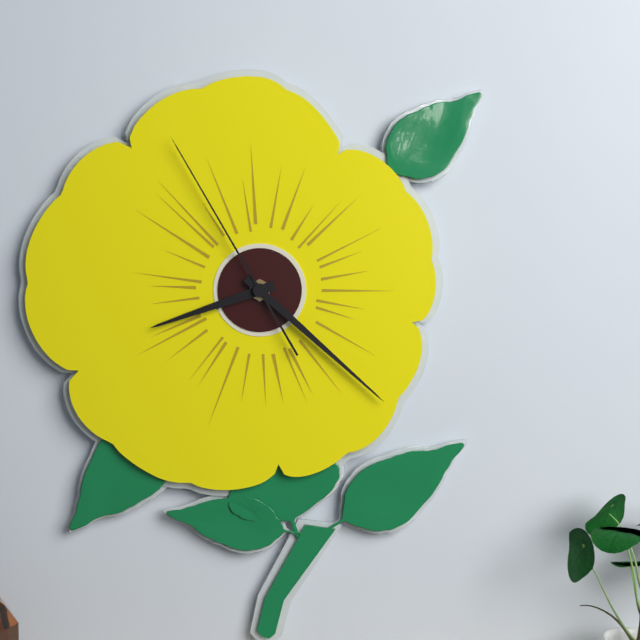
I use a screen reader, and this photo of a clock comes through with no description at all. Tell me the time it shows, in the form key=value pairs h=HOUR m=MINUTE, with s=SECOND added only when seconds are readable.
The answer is h=8 m=22 s=55
